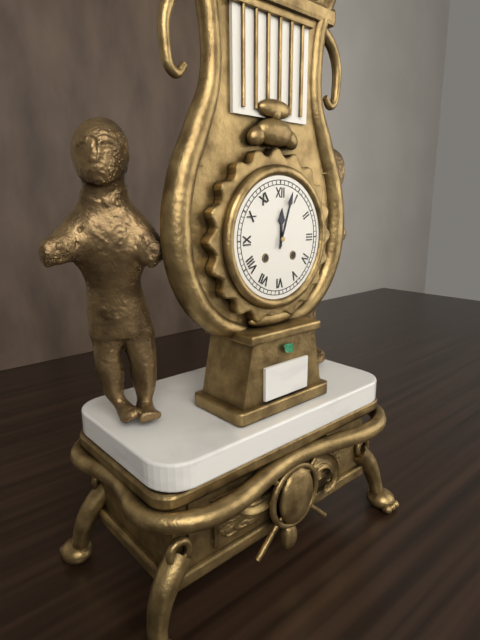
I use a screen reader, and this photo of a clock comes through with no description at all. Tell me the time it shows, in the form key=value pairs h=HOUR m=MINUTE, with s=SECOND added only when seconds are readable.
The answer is h=12 m=3
